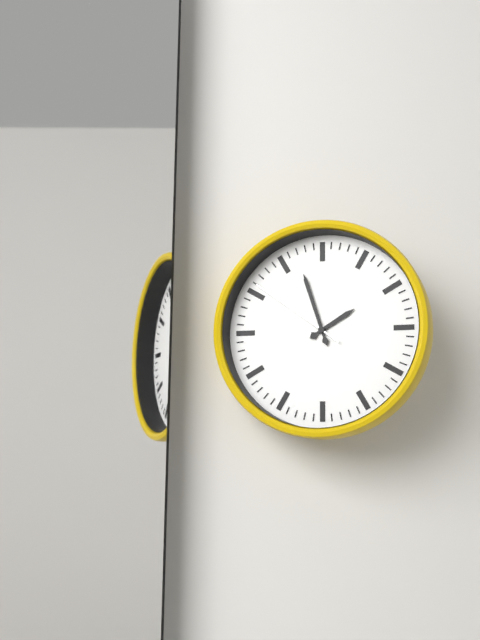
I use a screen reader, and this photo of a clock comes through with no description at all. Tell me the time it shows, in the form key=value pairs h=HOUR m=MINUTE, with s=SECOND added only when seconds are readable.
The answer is h=1 m=57 s=51
